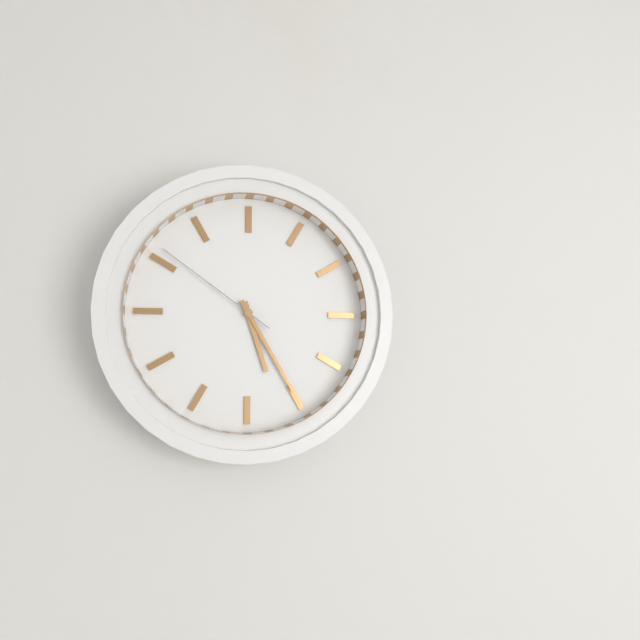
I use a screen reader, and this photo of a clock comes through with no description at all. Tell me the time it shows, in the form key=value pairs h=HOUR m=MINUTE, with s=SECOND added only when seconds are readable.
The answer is h=5 m=25 s=51
